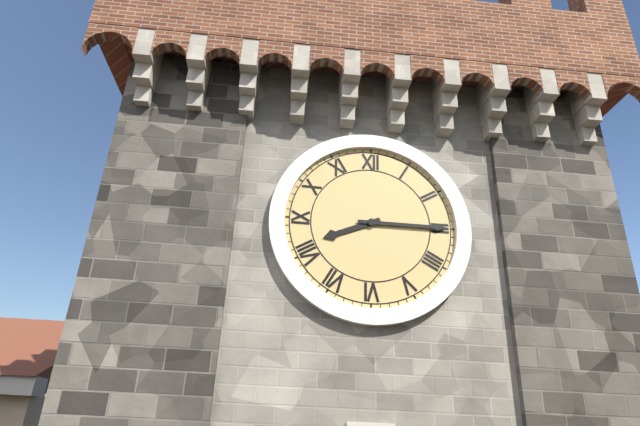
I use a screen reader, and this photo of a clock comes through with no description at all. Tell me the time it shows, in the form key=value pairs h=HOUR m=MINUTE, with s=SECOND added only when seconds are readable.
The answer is h=8 m=15
